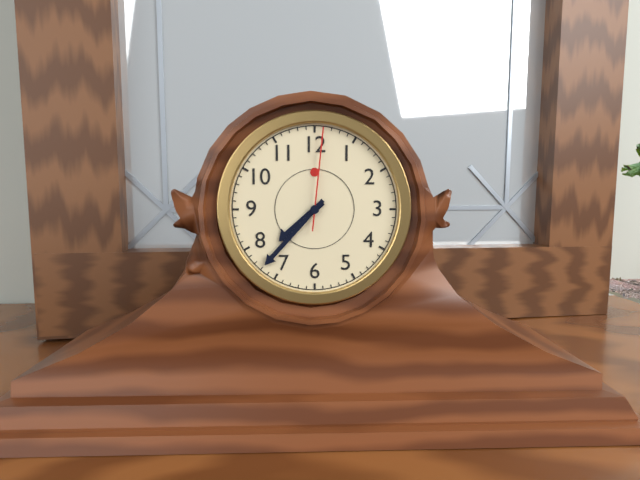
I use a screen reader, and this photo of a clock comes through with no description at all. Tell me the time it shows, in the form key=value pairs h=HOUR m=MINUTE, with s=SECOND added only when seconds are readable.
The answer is h=7 m=37 s=1
